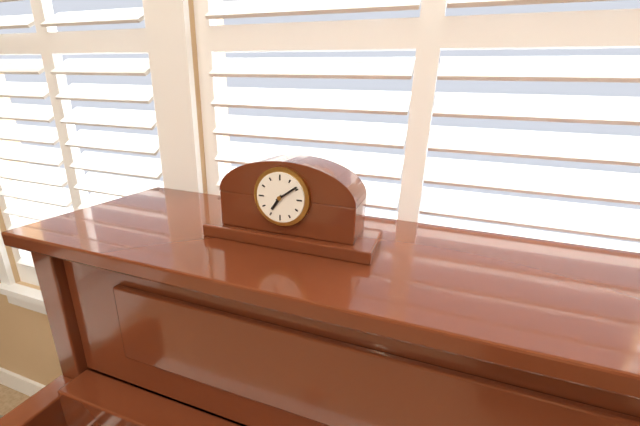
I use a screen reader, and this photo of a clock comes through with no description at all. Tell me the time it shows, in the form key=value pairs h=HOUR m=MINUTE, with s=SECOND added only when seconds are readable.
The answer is h=7 m=9
